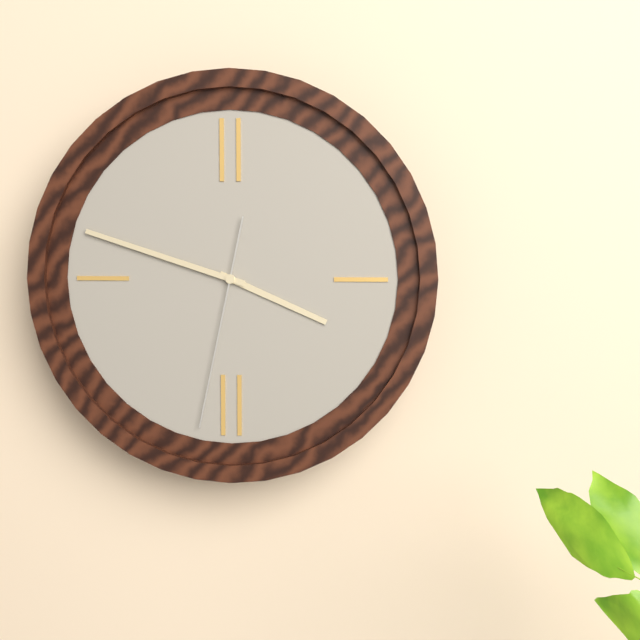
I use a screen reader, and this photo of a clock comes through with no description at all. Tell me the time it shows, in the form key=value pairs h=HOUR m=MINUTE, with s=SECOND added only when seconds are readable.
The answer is h=3 m=48 s=32
